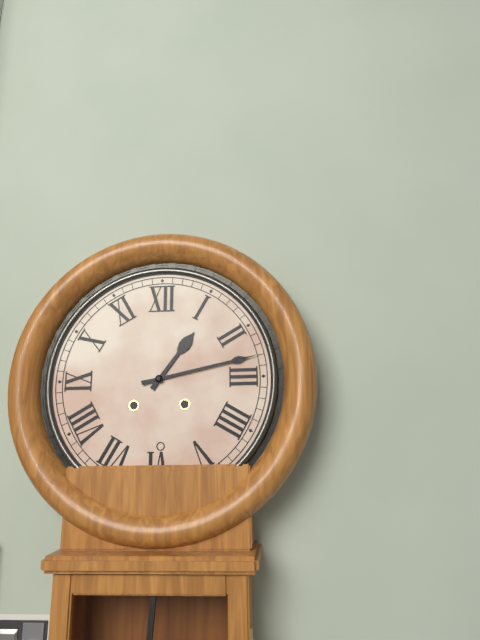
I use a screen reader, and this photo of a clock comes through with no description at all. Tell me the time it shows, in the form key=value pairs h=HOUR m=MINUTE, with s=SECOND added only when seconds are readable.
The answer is h=1 m=13
